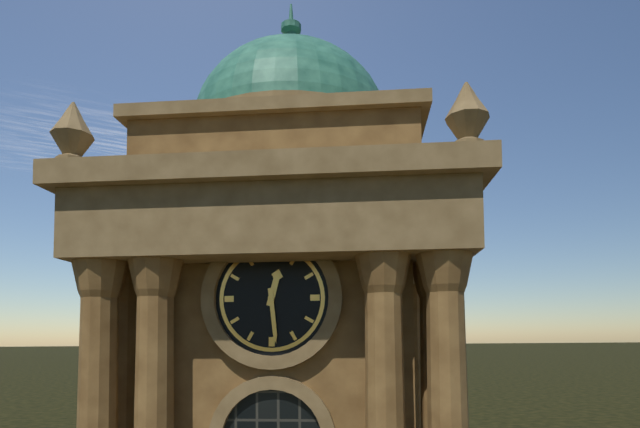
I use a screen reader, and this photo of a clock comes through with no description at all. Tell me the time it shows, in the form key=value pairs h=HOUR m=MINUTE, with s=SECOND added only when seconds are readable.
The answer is h=12 m=29
